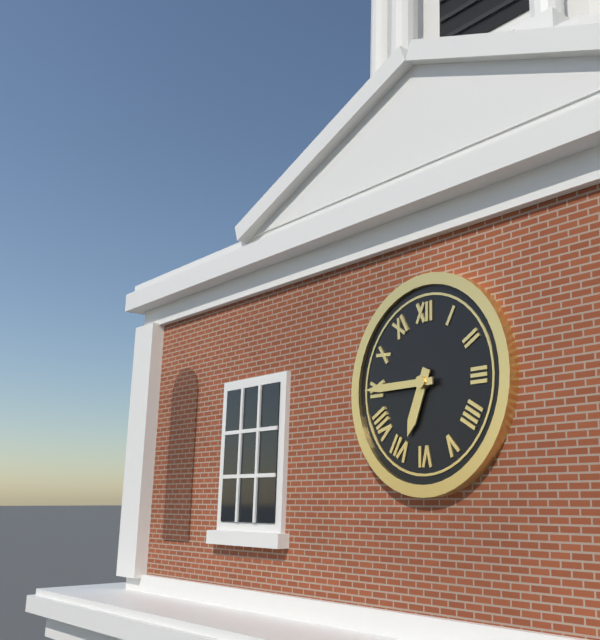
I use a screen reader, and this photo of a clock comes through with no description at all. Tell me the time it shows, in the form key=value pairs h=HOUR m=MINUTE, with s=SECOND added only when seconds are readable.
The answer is h=6 m=45
